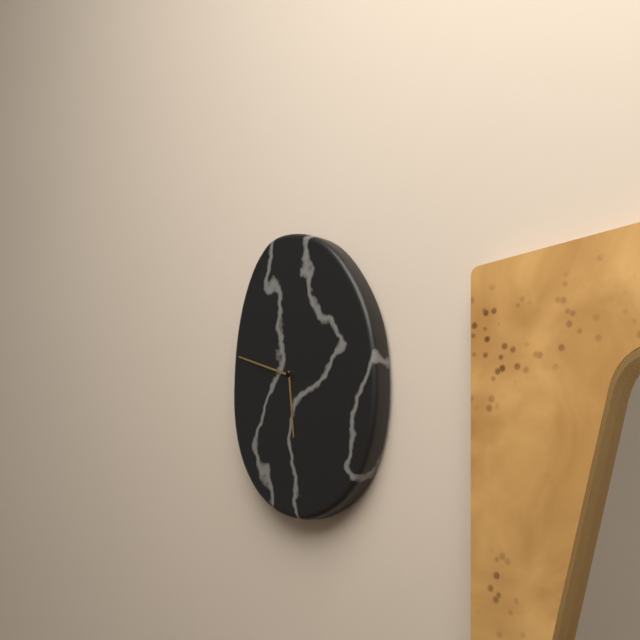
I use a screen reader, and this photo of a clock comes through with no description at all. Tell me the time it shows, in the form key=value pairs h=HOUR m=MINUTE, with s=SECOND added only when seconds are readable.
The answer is h=5 m=48
